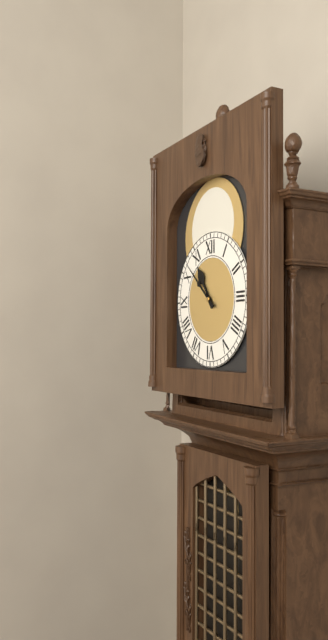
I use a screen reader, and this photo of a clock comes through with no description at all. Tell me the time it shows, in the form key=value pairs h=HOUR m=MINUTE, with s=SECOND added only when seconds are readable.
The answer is h=10 m=52
